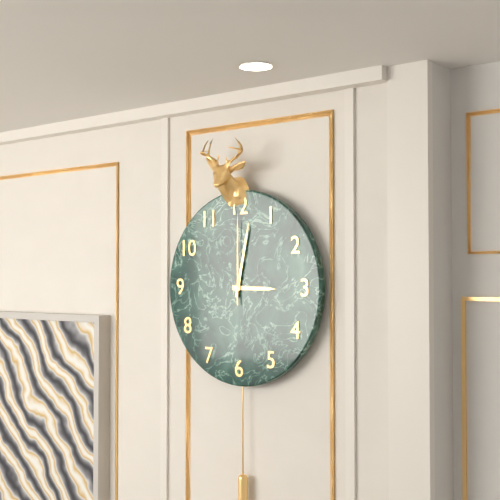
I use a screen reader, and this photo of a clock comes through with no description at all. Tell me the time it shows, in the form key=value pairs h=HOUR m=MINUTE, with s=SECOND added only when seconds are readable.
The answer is h=3 m=2 s=0
